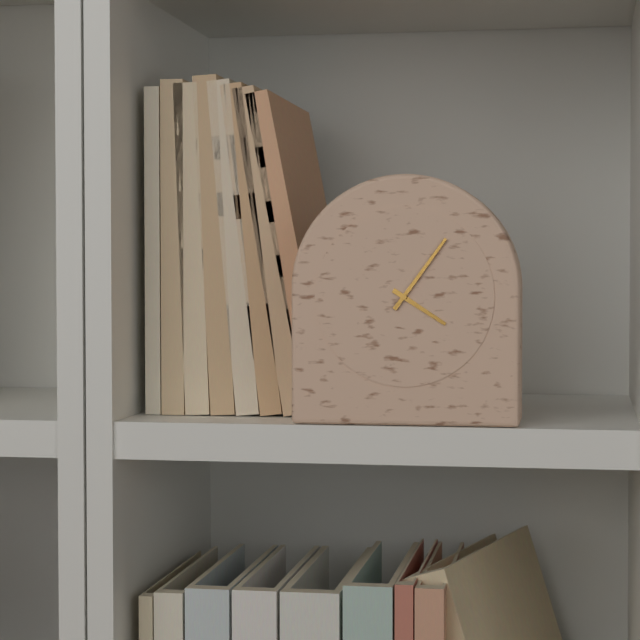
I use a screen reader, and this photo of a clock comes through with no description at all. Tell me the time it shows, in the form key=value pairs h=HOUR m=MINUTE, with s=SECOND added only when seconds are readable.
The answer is h=4 m=6
